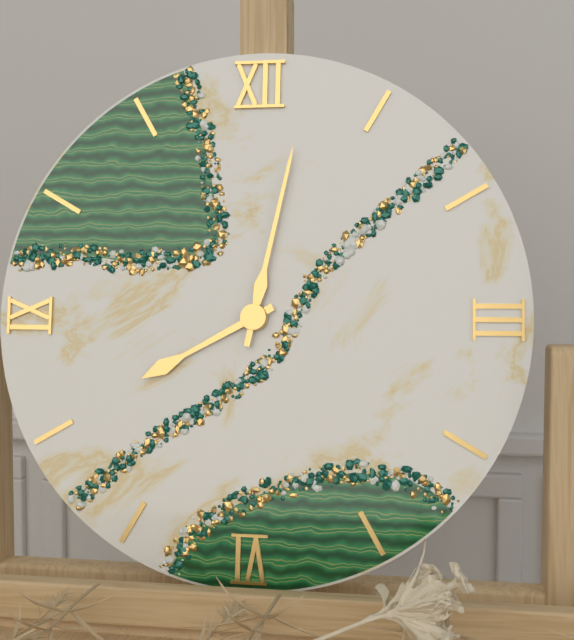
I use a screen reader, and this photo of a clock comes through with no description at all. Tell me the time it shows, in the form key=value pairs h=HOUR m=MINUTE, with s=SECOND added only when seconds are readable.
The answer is h=8 m=2
